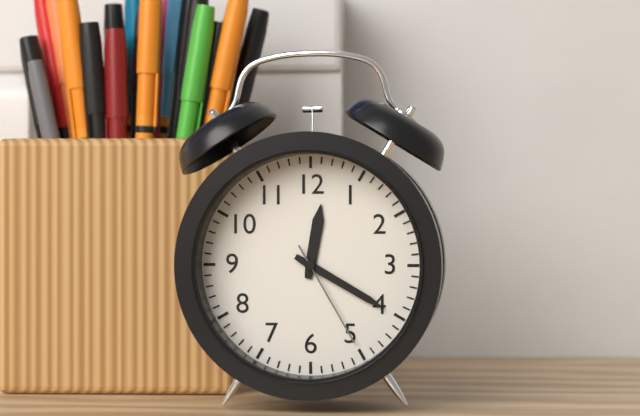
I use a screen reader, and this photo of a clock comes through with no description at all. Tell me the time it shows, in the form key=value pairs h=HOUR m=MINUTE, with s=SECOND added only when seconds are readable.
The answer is h=12 m=20 s=25
